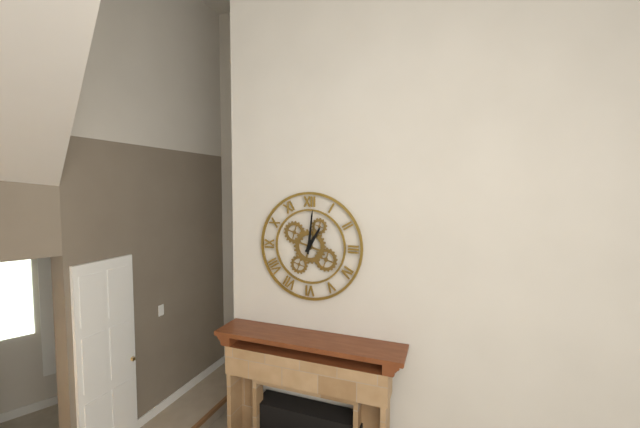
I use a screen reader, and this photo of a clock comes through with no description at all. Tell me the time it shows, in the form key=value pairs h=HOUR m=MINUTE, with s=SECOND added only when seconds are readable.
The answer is h=1 m=1
